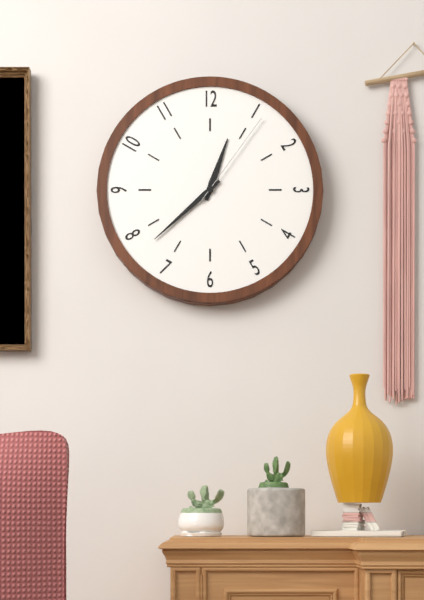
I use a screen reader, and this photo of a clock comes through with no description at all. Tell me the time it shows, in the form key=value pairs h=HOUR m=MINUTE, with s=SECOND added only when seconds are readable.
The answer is h=12 m=38 s=6
